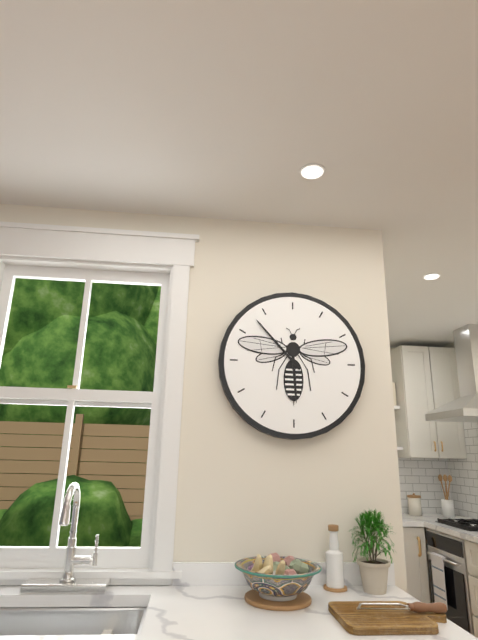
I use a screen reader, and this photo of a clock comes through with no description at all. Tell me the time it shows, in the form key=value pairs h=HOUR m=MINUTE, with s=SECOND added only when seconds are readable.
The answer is h=5 m=53
